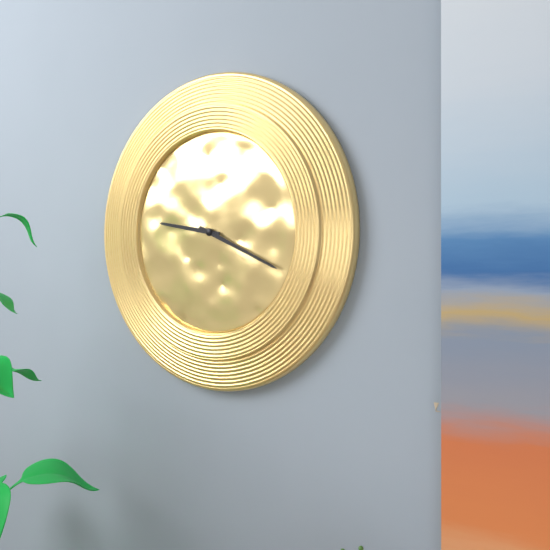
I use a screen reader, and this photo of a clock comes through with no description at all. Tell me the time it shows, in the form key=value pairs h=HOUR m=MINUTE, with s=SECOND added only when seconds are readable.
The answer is h=9 m=19
